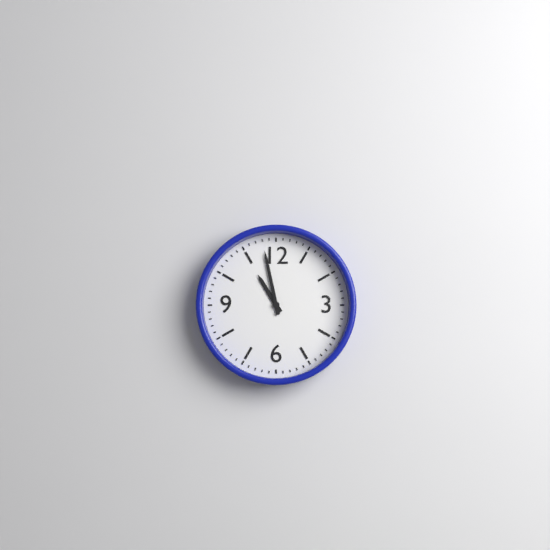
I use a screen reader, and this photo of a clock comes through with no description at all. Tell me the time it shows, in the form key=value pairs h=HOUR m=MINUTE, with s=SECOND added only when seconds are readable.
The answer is h=10 m=58
